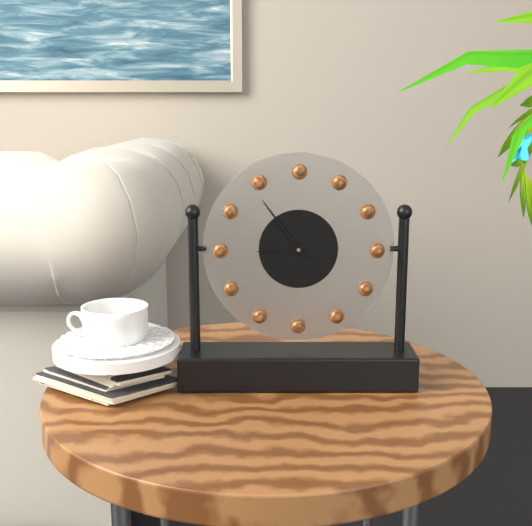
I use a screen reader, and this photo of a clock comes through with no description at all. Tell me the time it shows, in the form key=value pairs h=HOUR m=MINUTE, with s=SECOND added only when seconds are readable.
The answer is h=8 m=54
